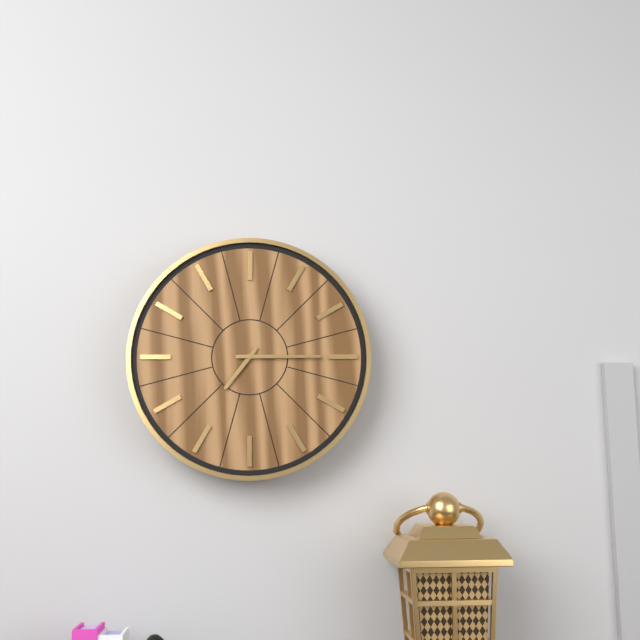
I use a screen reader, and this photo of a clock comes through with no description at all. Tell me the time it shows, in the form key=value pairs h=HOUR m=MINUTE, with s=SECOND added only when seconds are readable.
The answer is h=7 m=15
